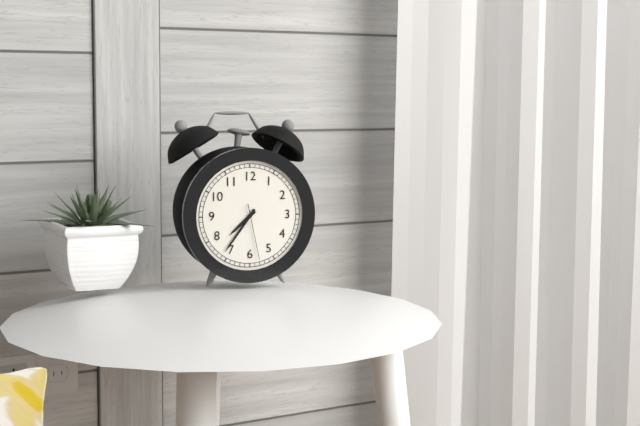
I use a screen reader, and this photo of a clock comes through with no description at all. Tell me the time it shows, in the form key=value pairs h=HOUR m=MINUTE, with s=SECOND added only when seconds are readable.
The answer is h=7 m=36 s=28
